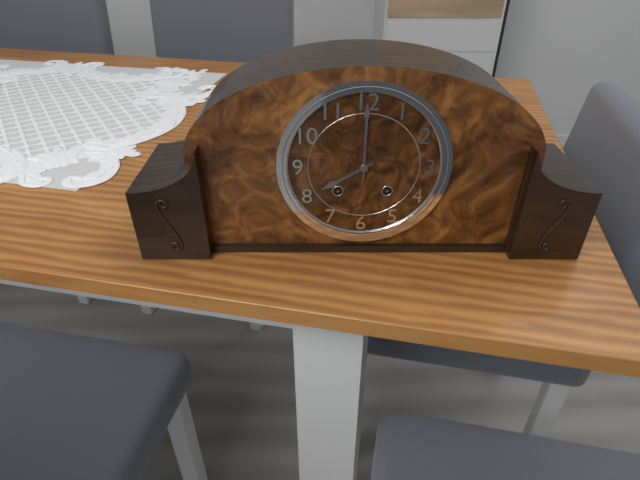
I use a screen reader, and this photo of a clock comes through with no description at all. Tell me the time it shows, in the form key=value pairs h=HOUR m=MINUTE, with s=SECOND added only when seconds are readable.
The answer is h=8 m=0
